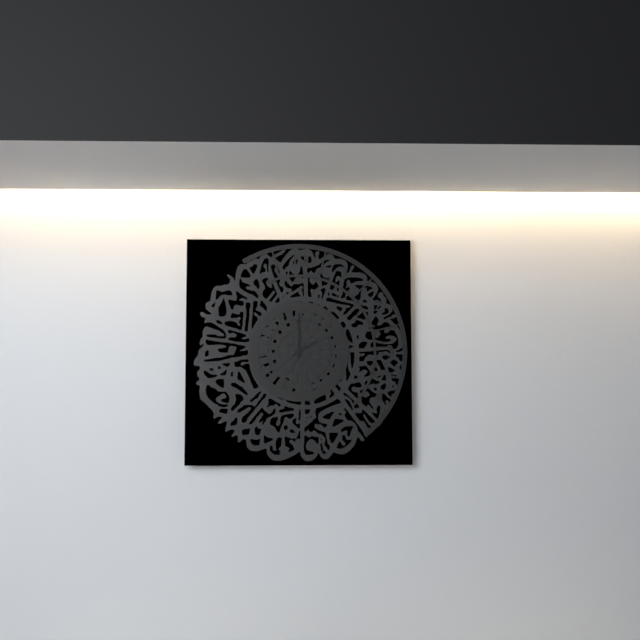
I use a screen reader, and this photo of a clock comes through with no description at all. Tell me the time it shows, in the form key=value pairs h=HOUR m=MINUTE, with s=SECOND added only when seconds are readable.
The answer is h=2 m=0
